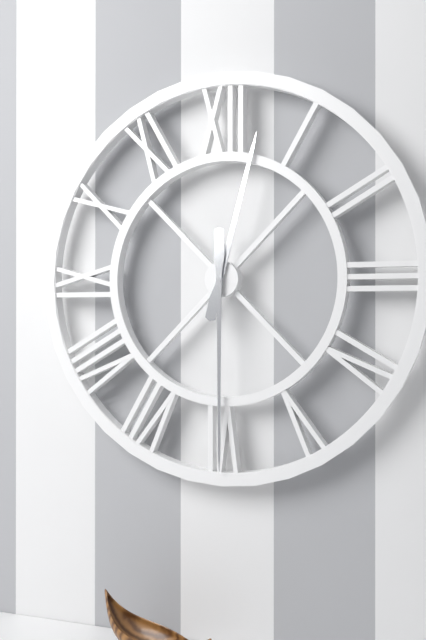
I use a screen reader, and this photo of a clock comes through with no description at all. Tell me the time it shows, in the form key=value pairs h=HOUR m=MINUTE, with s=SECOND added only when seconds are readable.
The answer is h=12 m=30
